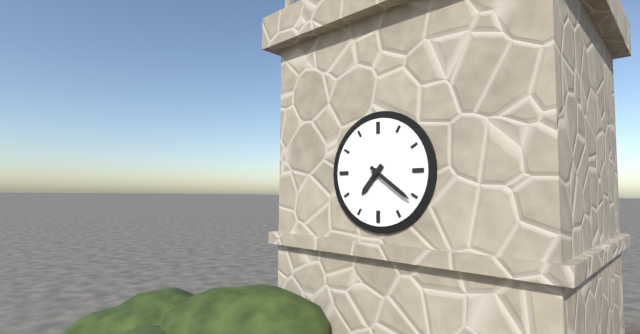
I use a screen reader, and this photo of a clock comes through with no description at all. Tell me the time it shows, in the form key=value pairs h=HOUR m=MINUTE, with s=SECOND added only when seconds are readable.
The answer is h=7 m=21
